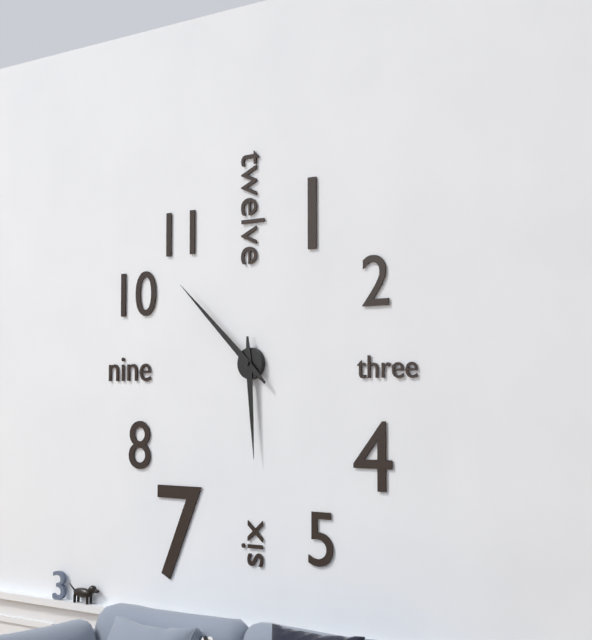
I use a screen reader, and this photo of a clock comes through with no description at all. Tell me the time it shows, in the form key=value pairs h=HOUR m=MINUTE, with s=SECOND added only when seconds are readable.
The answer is h=5 m=52
